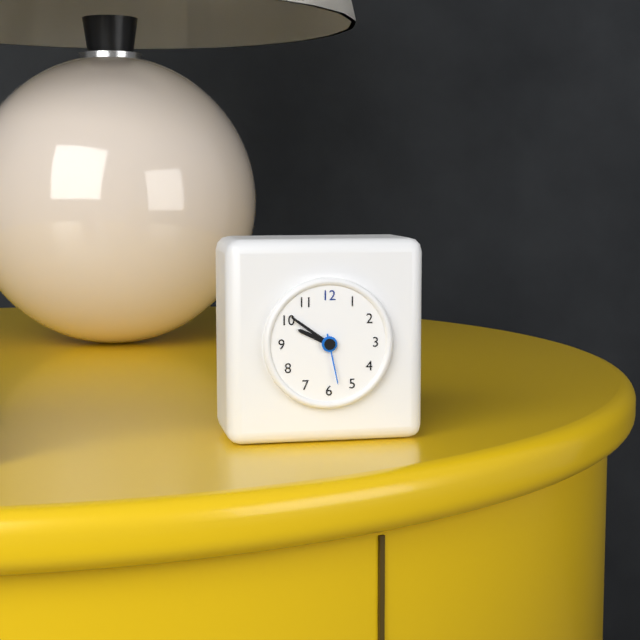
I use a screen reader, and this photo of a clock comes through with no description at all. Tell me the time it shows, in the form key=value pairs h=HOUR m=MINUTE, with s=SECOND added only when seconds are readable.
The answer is h=9 m=51 s=28
